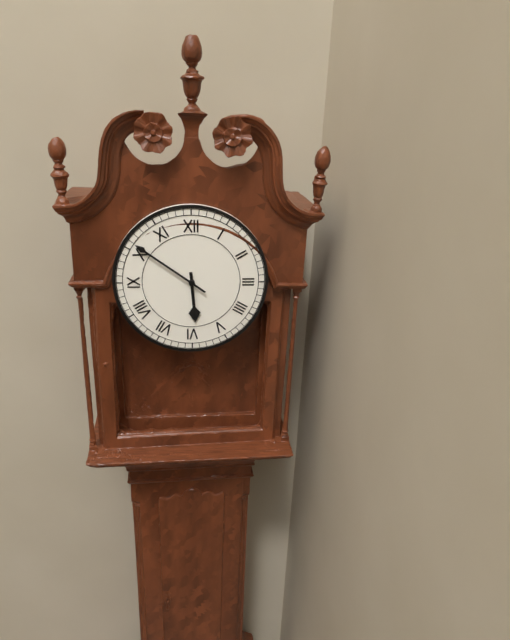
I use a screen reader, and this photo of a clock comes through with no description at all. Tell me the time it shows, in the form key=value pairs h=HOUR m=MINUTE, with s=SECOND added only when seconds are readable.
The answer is h=5 m=51
